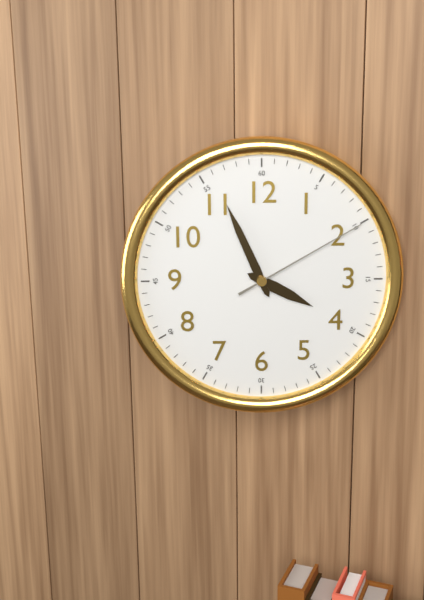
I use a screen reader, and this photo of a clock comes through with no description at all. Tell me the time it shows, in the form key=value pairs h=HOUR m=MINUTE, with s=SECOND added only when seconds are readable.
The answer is h=3 m=56 s=10
